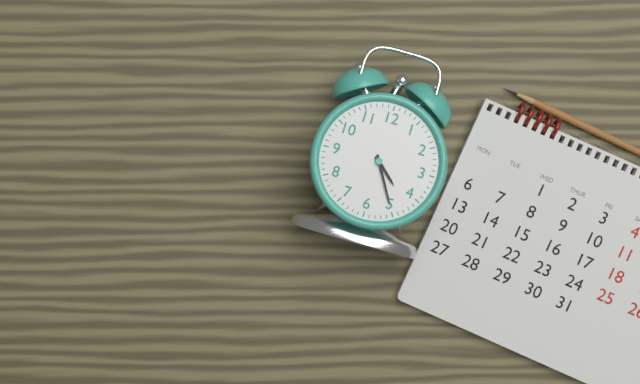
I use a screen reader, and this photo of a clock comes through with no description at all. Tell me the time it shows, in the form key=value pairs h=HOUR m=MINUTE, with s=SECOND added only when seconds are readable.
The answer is h=4 m=25
